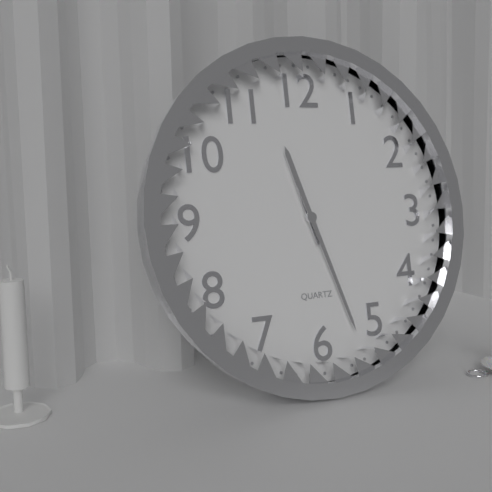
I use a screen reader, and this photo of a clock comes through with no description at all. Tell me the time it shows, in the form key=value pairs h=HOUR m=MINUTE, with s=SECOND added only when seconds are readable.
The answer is h=11 m=27
